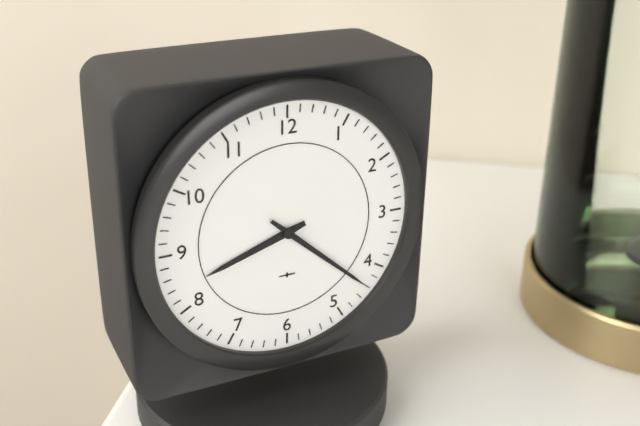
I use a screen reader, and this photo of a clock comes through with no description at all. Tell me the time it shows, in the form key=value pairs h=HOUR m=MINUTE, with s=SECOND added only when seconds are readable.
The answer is h=8 m=22
